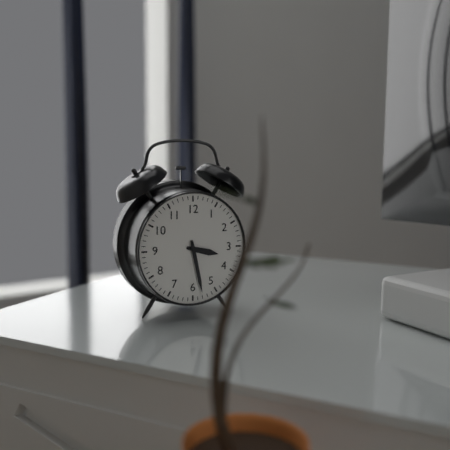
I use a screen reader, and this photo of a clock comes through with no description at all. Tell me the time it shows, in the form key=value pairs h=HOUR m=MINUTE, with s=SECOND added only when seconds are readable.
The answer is h=3 m=28
